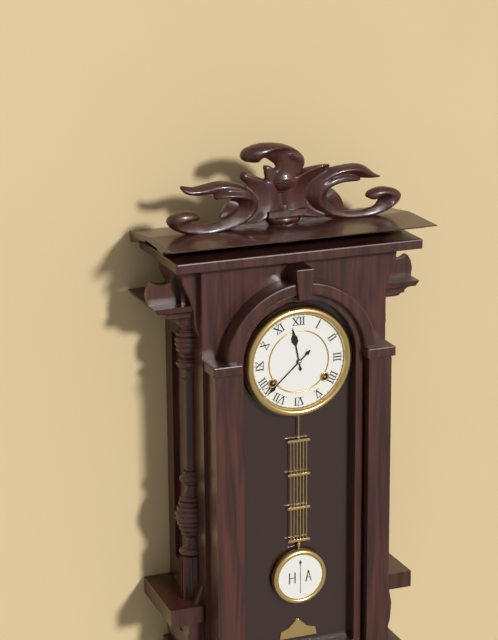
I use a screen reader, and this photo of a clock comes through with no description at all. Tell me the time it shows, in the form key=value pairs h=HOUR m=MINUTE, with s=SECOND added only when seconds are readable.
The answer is h=11 m=38
